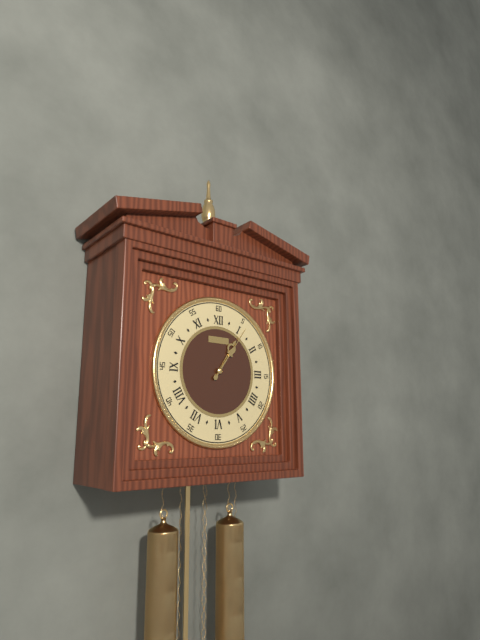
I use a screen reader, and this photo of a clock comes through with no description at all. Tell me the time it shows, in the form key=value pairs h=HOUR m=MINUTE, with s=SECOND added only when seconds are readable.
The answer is h=1 m=6
